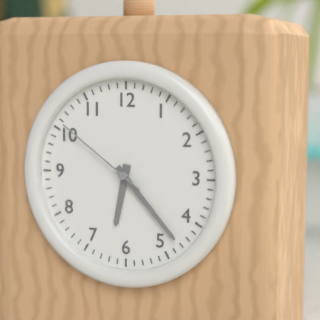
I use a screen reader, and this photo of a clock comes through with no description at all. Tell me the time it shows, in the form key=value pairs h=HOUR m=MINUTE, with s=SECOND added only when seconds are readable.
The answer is h=6 m=23 s=51
